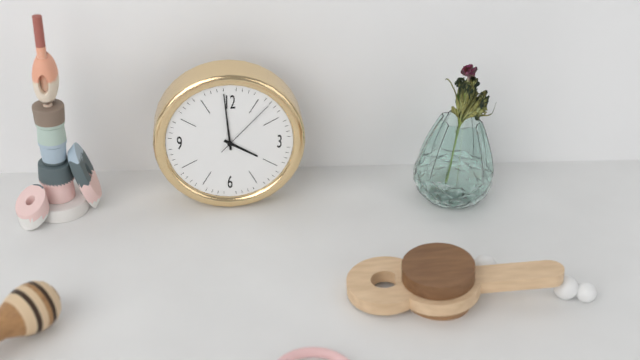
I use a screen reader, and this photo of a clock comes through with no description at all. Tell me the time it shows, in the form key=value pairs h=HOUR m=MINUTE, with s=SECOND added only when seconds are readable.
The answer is h=3 m=59 s=7
